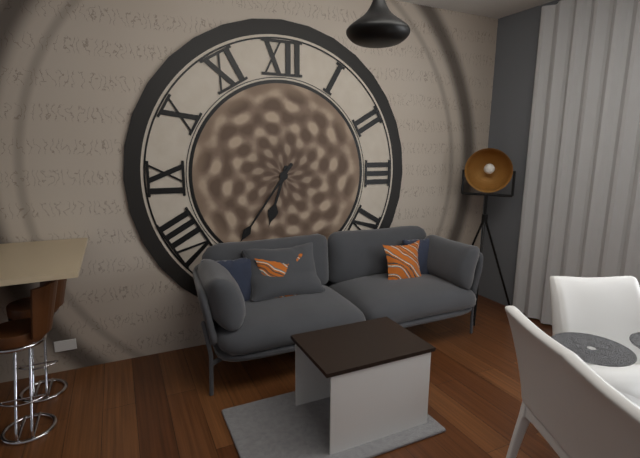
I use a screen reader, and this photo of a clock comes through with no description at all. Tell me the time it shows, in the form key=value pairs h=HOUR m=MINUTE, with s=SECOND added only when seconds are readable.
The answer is h=6 m=36
